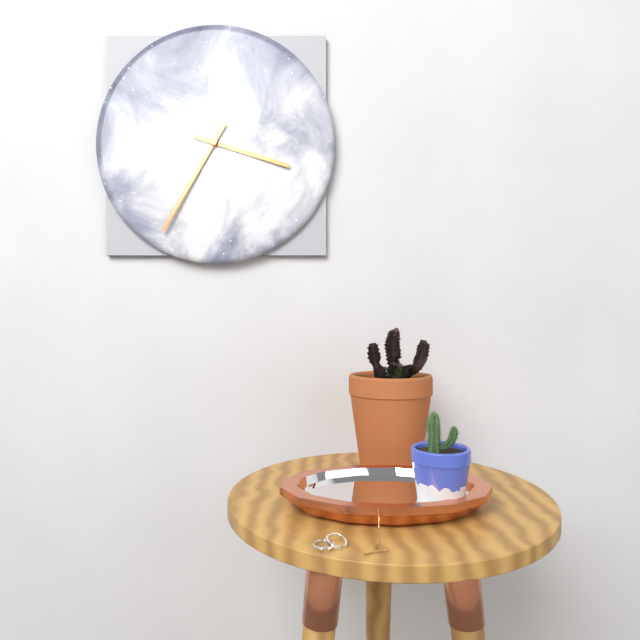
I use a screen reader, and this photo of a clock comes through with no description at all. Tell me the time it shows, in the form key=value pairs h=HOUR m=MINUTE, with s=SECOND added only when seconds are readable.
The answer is h=3 m=35
